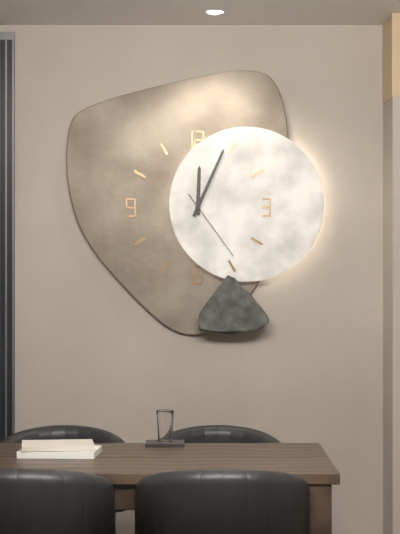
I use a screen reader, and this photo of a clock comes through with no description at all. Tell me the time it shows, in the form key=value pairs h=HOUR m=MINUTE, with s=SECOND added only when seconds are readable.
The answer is h=12 m=4 s=24
